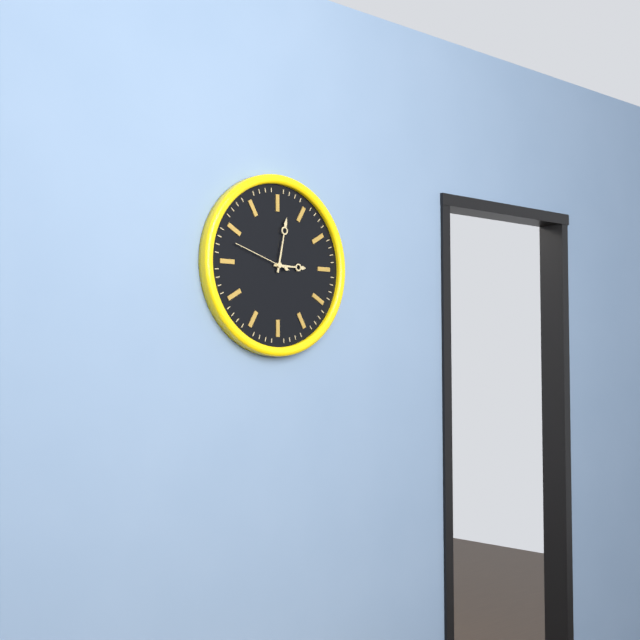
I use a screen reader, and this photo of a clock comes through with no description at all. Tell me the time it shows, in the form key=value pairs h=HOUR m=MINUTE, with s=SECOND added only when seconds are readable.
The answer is h=3 m=2 s=48
